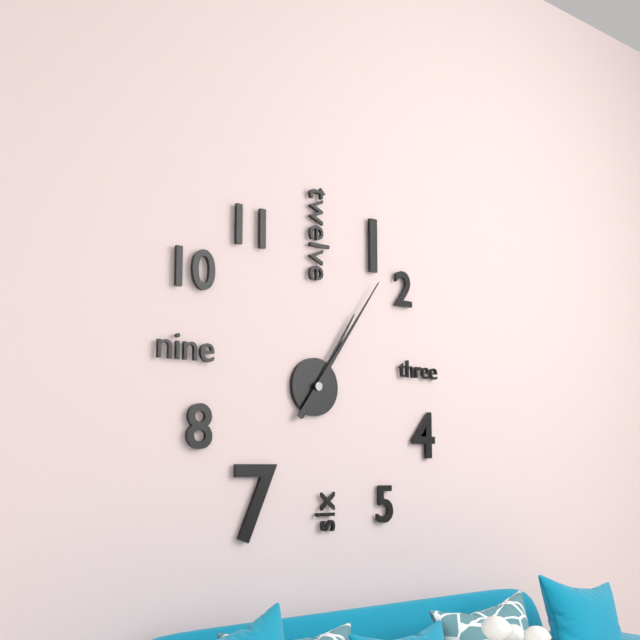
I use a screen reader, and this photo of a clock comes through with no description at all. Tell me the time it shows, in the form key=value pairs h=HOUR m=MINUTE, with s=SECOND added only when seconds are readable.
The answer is h=1 m=6
